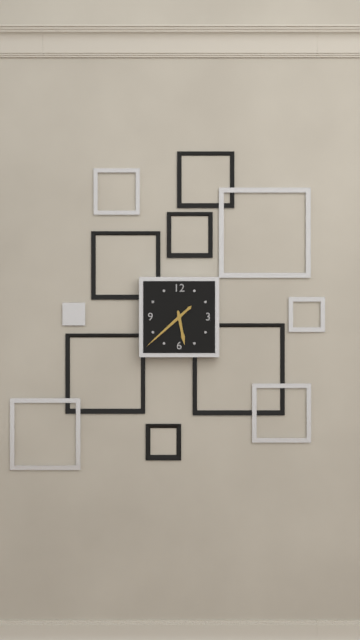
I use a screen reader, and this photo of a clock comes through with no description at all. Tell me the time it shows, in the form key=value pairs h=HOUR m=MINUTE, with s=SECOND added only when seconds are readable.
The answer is h=5 m=38
